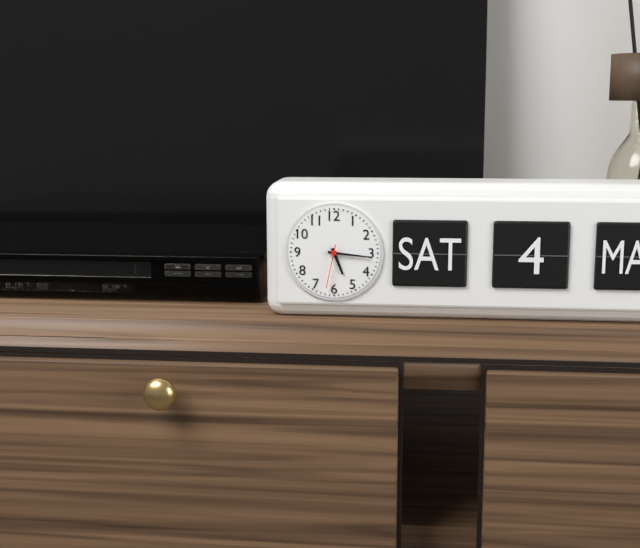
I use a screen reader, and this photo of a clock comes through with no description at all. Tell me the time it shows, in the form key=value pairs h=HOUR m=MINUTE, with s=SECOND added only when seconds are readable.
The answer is h=5 m=16
